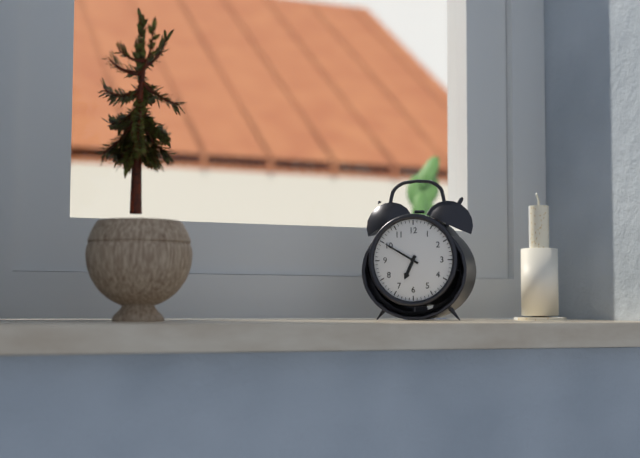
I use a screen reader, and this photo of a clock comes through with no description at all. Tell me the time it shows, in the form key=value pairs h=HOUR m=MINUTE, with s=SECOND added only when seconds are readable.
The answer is h=6 m=50
